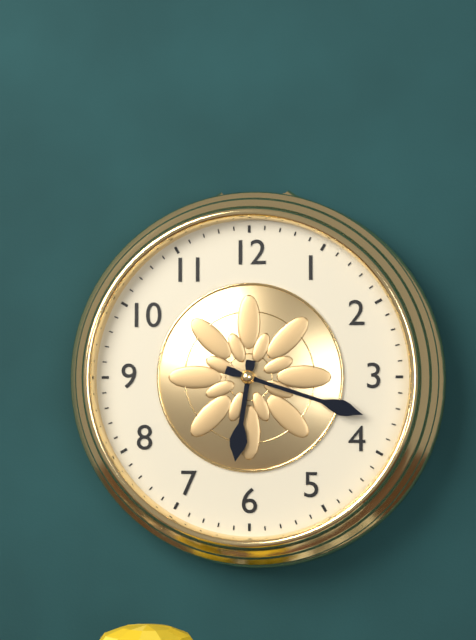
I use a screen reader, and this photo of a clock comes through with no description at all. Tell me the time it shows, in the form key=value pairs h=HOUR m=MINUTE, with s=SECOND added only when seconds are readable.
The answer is h=6 m=18
